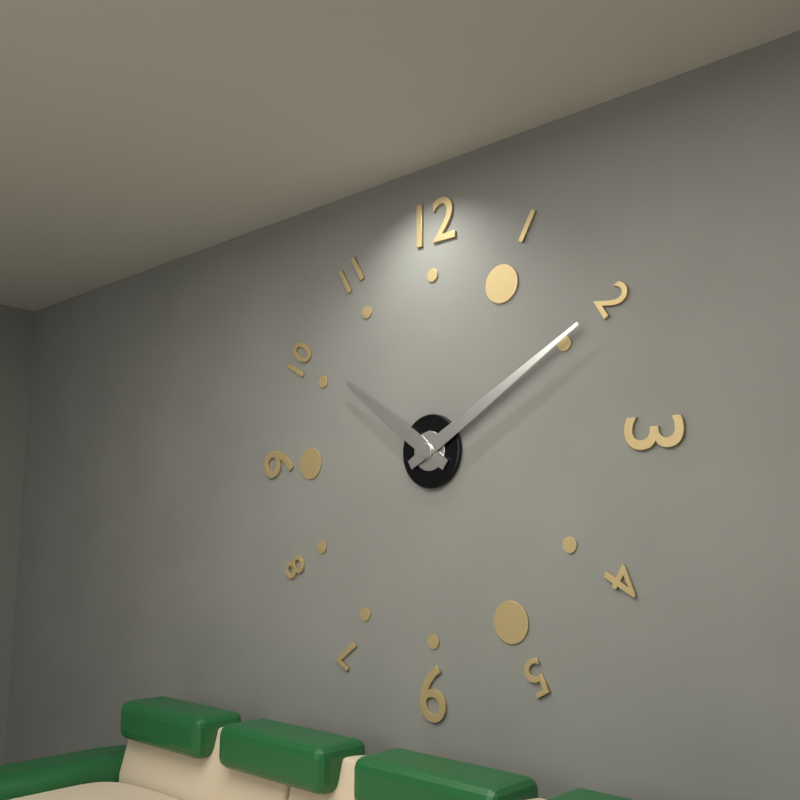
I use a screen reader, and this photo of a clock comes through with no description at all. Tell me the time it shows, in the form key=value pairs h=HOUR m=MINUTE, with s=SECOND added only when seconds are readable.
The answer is h=10 m=10
